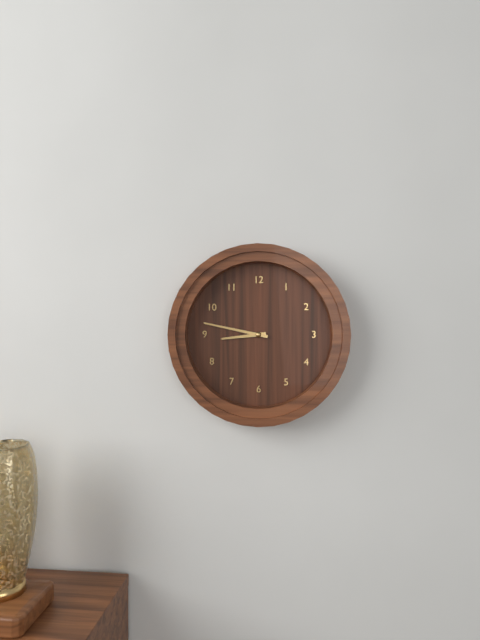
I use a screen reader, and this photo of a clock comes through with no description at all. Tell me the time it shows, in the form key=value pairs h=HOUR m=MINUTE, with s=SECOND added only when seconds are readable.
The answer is h=8 m=47
